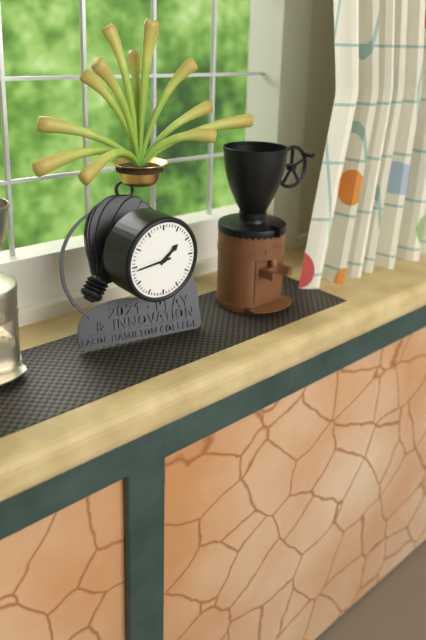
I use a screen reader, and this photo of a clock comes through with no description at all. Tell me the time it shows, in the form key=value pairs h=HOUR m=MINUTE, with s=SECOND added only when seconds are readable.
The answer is h=1 m=44
